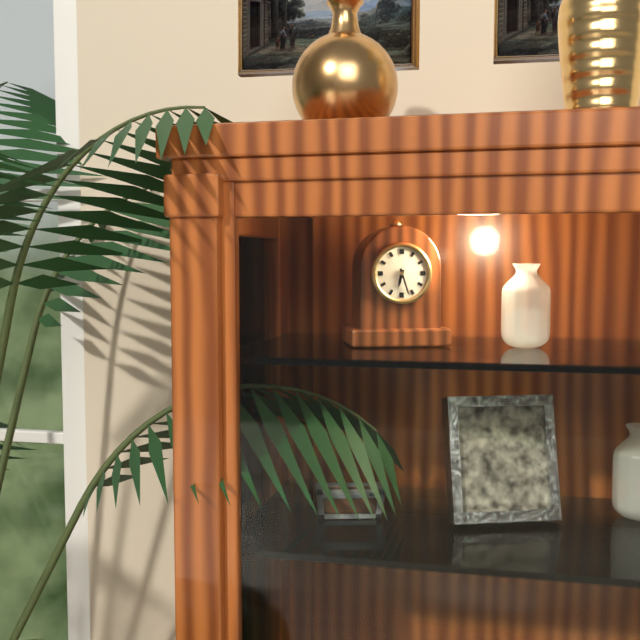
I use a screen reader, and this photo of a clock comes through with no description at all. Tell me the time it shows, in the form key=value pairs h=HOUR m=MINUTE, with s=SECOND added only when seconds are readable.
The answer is h=6 m=27
